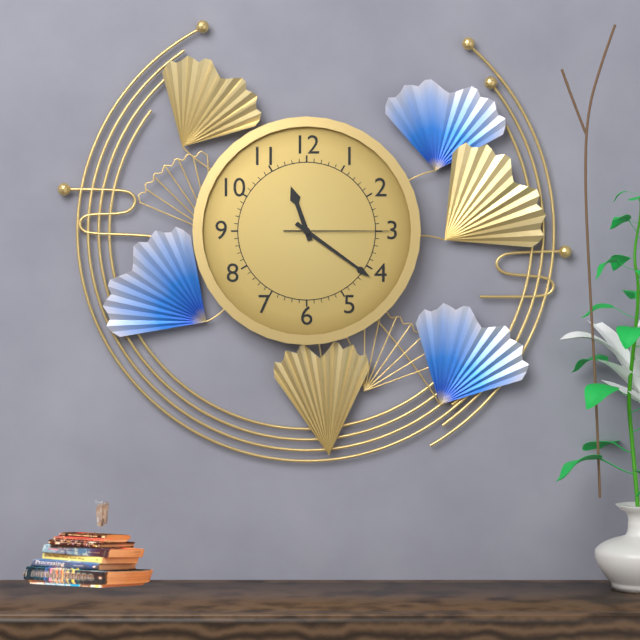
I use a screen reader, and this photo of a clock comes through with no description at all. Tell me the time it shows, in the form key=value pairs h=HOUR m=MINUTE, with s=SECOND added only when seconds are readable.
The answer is h=11 m=21 s=15
